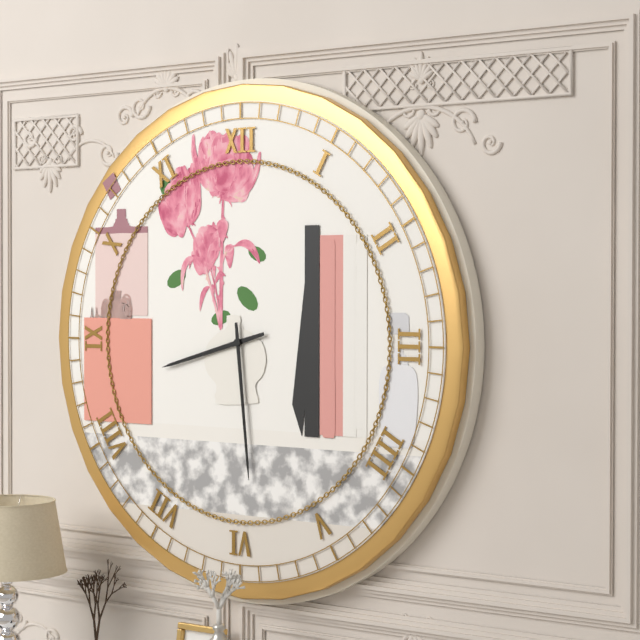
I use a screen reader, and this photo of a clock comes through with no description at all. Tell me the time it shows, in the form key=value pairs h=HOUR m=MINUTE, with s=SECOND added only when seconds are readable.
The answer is h=8 m=29
